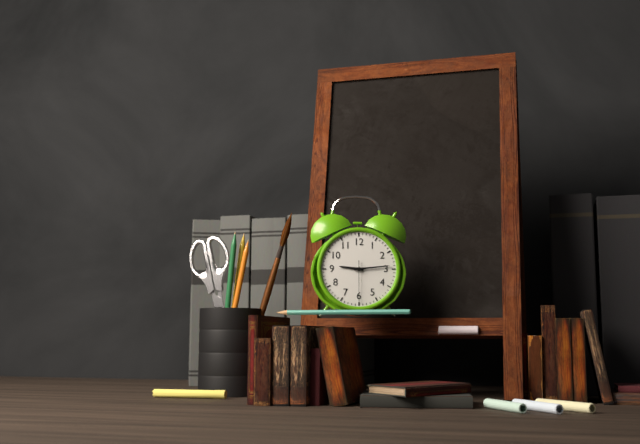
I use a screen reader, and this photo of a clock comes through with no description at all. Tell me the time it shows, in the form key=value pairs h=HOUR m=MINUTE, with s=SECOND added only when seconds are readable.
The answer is h=9 m=14
